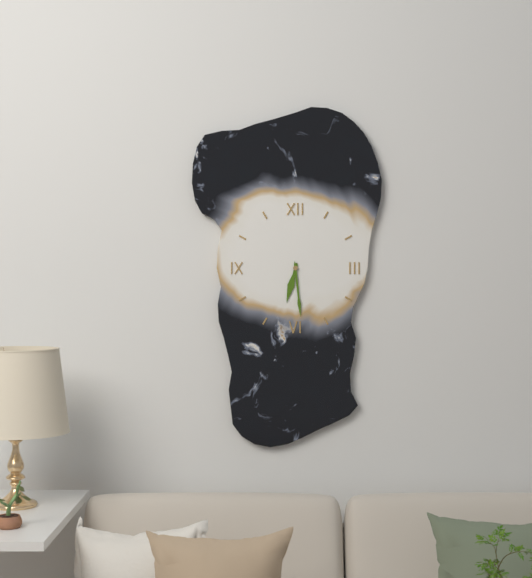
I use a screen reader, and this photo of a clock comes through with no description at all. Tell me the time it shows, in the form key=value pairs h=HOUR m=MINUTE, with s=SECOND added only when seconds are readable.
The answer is h=6 m=29
